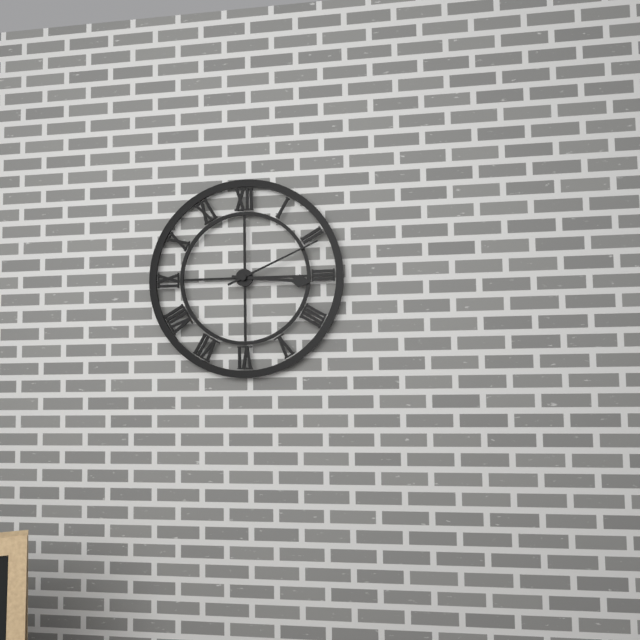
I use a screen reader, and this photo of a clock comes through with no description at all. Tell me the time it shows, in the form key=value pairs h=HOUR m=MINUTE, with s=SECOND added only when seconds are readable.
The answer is h=3 m=11
